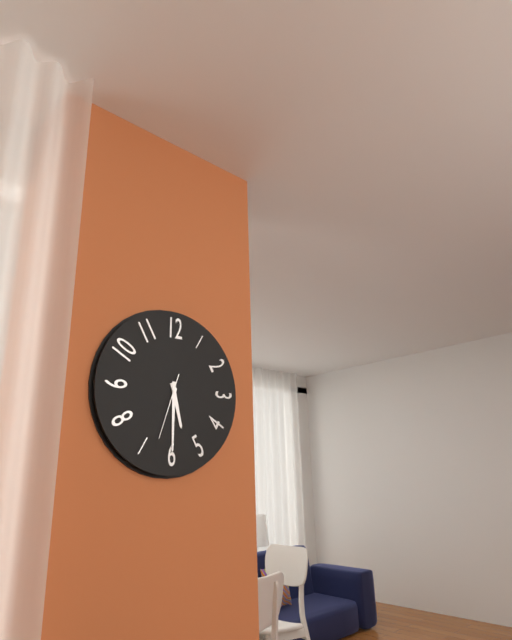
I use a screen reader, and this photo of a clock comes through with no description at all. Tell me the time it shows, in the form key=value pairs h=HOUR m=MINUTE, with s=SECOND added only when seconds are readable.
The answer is h=5 m=30 s=33
